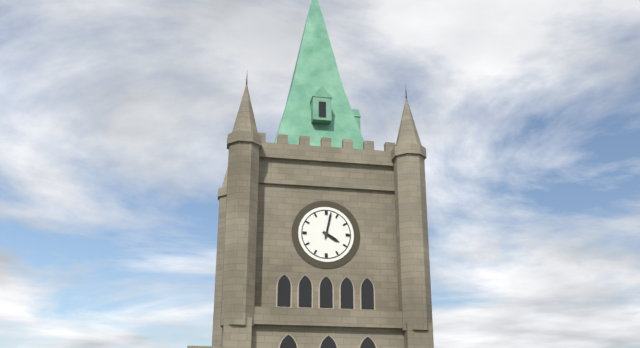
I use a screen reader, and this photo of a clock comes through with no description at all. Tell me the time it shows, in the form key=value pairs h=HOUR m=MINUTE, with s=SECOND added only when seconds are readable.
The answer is h=4 m=2
